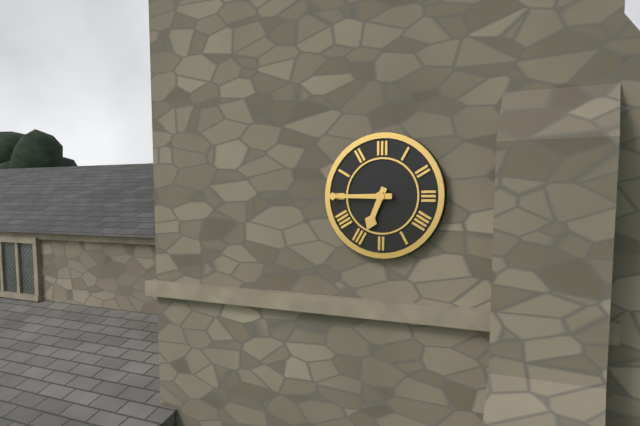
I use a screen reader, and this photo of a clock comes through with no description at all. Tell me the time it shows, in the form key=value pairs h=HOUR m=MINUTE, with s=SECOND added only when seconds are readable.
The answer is h=6 m=45
